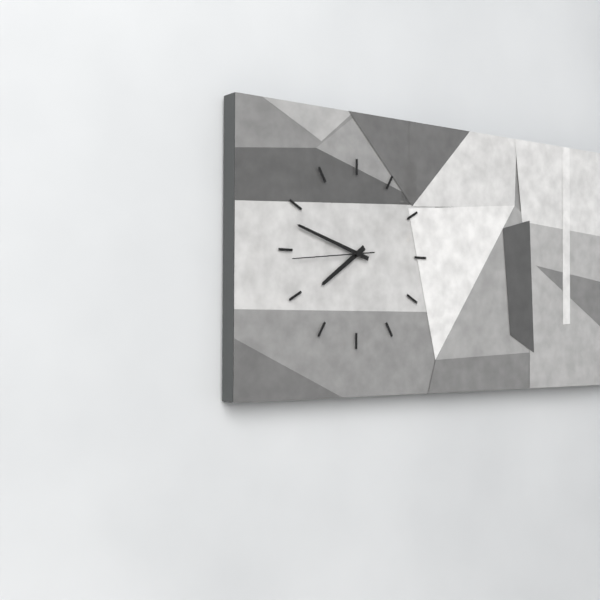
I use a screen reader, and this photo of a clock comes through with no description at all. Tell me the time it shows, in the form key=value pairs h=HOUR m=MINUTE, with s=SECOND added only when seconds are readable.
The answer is h=7 m=48 s=44
